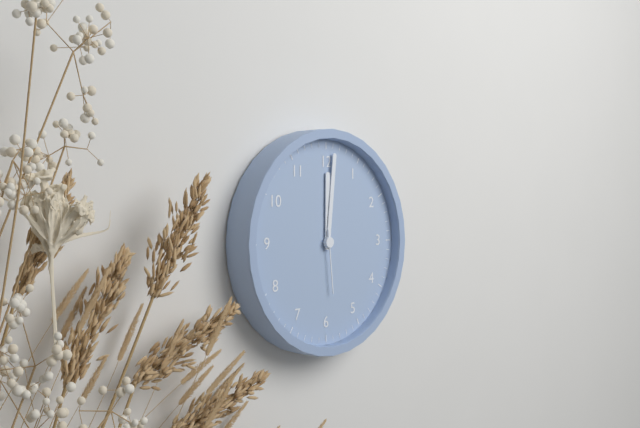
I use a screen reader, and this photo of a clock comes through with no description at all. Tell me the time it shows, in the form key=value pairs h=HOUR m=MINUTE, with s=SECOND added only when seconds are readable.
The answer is h=12 m=1 s=29
